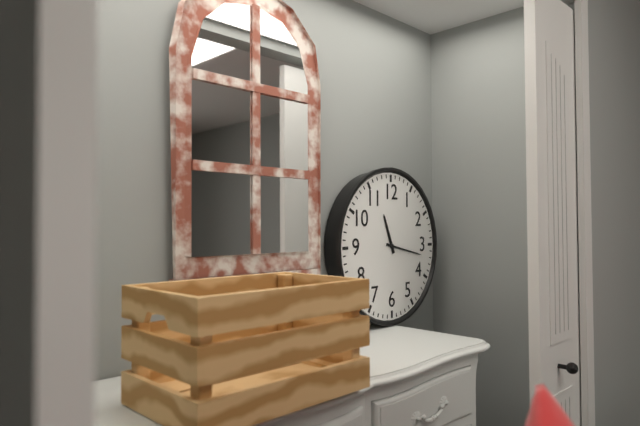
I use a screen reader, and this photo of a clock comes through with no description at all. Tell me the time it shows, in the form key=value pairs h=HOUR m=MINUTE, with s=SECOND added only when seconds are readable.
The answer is h=11 m=17
